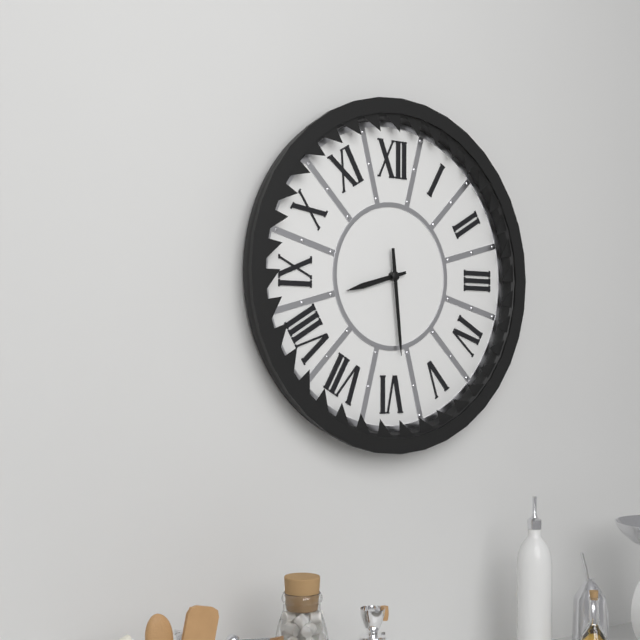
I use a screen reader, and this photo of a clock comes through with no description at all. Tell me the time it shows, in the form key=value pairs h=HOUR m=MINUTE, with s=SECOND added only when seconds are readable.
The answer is h=8 m=29
